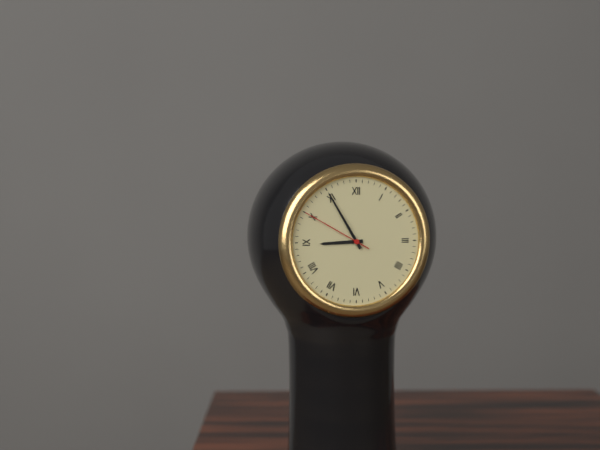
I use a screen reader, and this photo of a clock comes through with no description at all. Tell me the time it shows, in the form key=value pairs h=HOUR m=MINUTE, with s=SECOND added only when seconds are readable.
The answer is h=8 m=55 s=50
